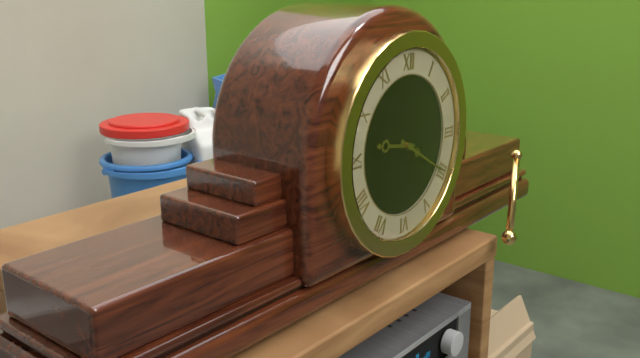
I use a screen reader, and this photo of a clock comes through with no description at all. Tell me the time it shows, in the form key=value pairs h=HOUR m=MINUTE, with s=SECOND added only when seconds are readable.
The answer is h=9 m=20
